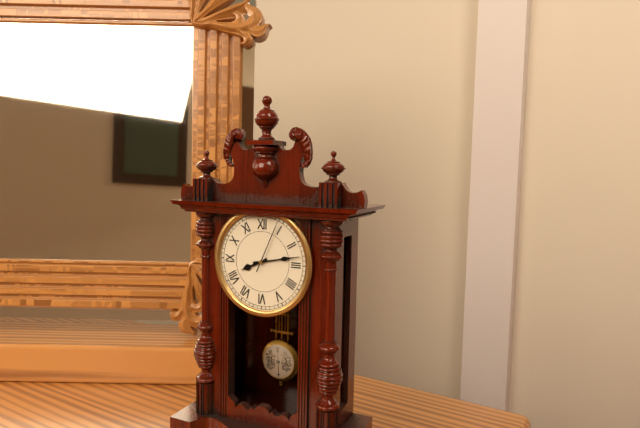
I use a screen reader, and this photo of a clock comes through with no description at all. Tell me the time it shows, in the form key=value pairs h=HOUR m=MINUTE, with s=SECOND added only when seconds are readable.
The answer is h=8 m=13 s=4
